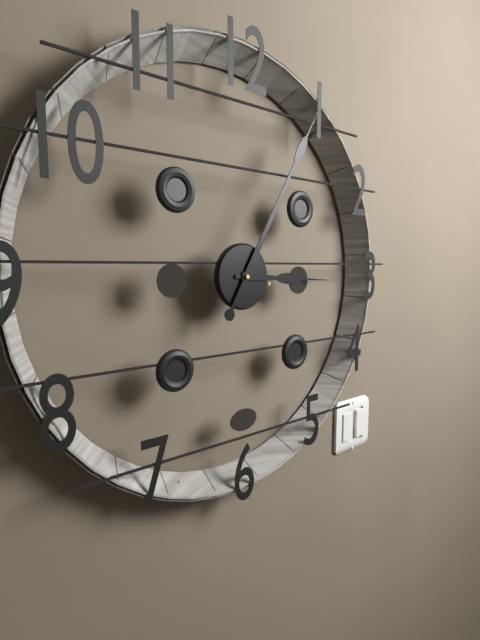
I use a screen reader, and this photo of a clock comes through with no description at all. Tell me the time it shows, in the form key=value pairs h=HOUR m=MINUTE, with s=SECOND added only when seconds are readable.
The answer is h=3 m=5
